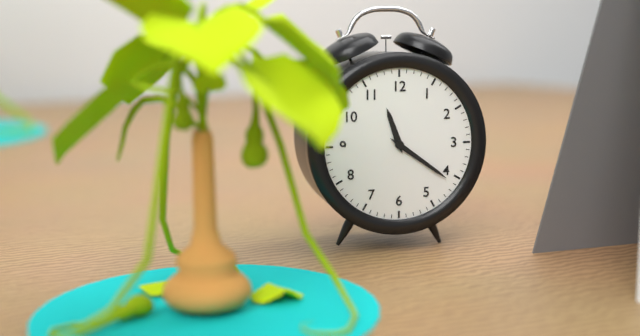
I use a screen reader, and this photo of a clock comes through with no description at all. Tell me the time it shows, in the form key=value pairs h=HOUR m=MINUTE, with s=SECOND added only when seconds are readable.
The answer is h=11 m=21
